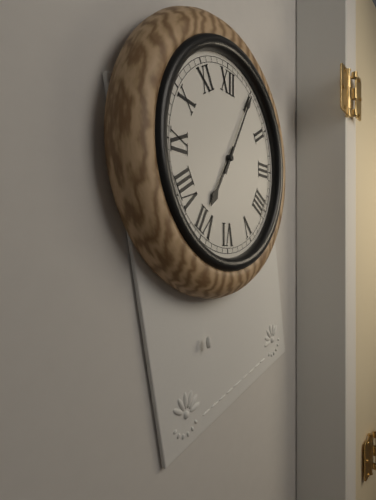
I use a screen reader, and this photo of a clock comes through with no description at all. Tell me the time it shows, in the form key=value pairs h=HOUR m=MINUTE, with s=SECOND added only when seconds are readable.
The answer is h=7 m=5
